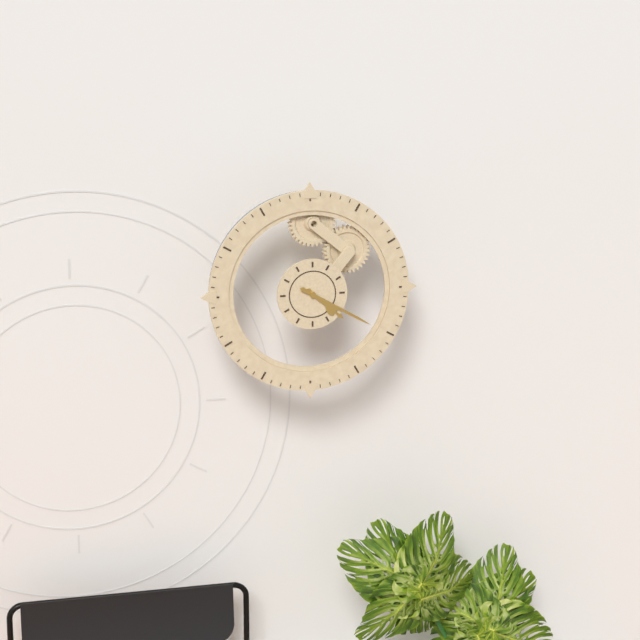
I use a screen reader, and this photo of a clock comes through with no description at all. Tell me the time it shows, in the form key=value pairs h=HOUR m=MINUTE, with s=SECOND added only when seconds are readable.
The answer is h=4 m=20
